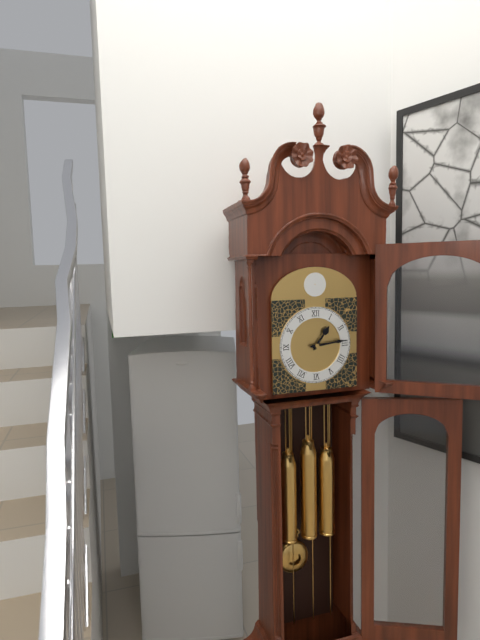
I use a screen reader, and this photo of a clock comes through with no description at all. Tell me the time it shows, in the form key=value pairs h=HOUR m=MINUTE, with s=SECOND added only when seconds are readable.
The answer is h=1 m=14
